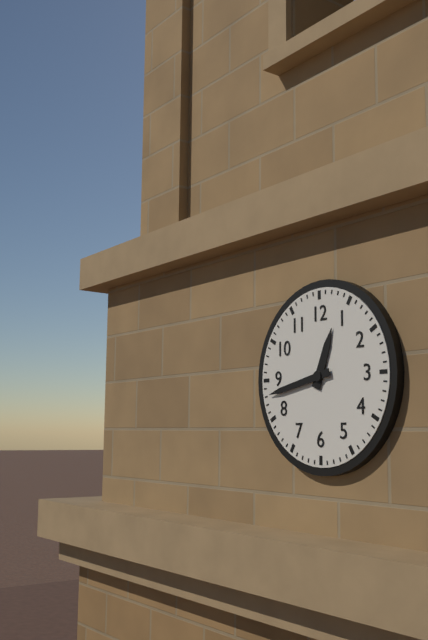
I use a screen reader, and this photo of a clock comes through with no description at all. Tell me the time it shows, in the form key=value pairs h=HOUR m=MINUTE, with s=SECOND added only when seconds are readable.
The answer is h=12 m=43
